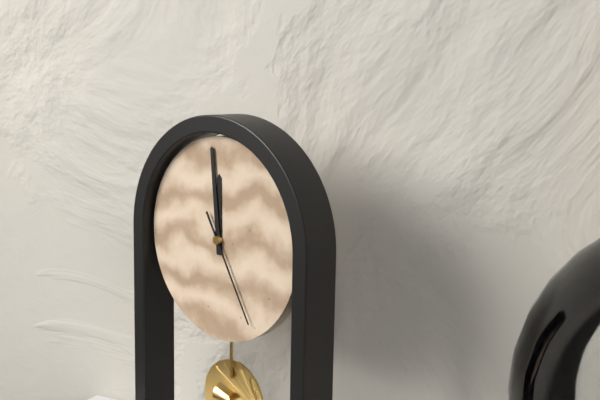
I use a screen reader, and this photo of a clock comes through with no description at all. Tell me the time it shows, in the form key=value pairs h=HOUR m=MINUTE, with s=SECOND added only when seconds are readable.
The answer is h=11 m=59 s=25
